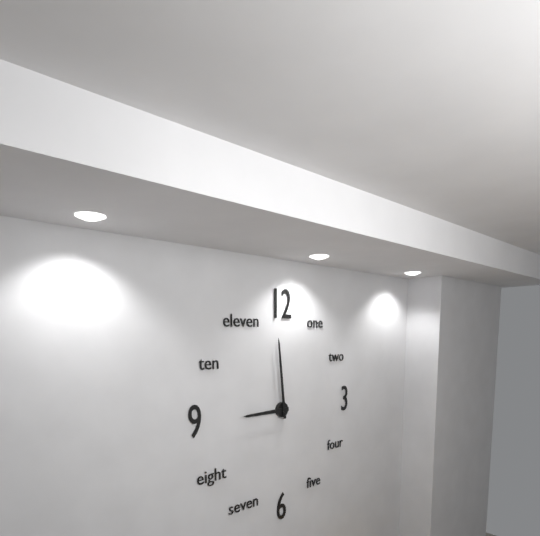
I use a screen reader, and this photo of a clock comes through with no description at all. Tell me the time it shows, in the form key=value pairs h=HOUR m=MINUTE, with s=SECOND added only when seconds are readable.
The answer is h=8 m=59
